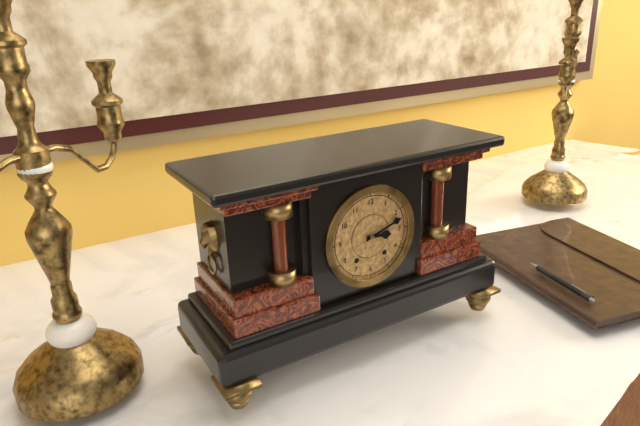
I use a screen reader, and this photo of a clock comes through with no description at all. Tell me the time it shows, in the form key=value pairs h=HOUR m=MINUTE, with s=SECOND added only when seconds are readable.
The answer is h=3 m=12
